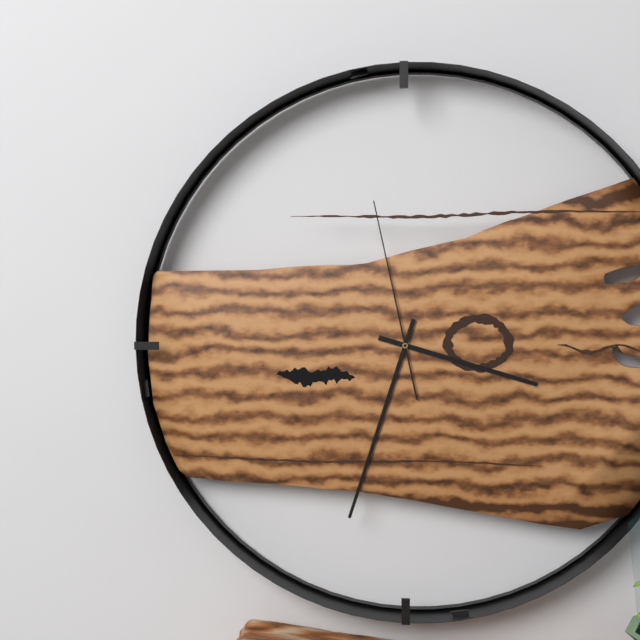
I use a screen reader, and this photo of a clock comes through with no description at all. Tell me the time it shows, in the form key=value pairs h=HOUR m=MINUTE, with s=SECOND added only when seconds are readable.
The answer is h=3 m=33 s=58
